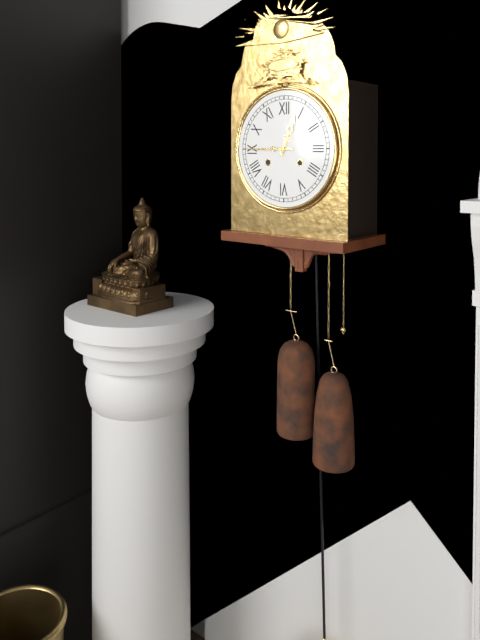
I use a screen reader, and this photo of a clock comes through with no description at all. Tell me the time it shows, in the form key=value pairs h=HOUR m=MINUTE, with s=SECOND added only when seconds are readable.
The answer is h=12 m=45
